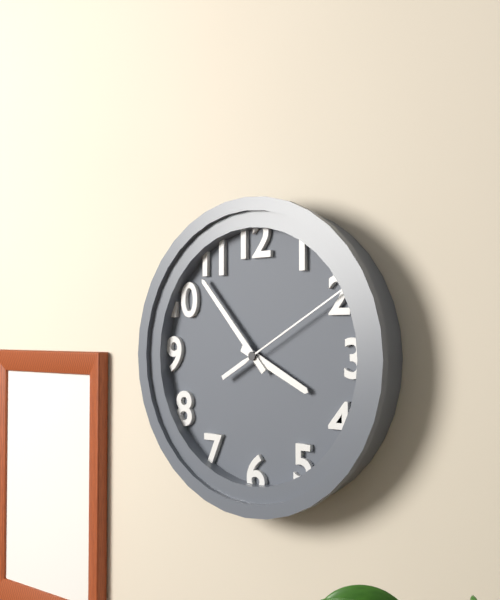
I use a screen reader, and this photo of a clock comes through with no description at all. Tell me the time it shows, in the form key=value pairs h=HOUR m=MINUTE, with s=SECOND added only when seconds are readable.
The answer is h=3 m=53 s=10
